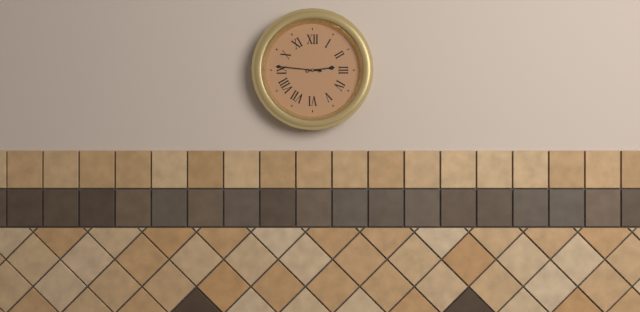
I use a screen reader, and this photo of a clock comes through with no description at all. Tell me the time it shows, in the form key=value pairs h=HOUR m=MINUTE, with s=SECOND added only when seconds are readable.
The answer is h=2 m=46
